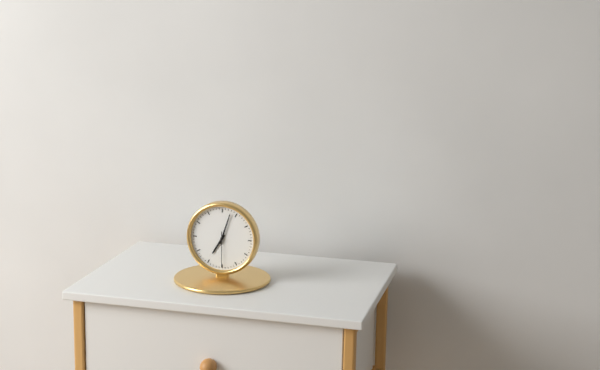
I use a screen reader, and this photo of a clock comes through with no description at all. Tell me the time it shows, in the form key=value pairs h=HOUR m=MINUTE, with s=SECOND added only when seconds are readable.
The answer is h=7 m=3
